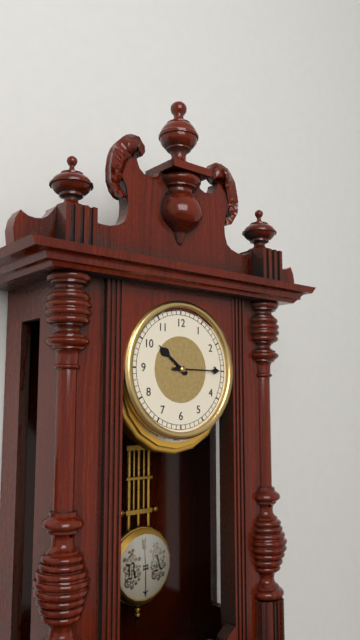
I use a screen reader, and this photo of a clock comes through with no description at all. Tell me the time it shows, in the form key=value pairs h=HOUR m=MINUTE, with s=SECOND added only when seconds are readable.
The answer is h=10 m=15
